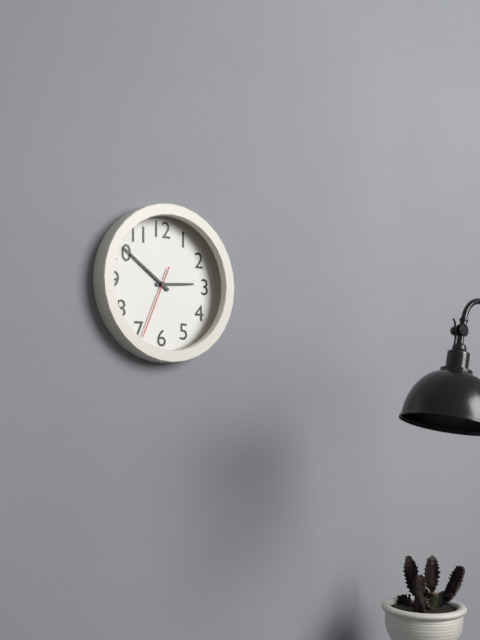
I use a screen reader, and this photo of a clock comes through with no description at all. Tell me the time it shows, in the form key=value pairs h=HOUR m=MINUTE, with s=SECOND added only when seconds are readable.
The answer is h=2 m=51 s=34
